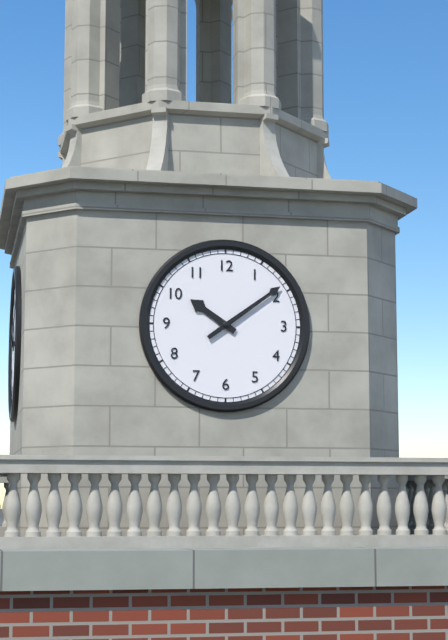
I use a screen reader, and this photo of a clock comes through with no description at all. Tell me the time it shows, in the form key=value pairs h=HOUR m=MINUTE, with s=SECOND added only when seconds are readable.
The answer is h=10 m=9
